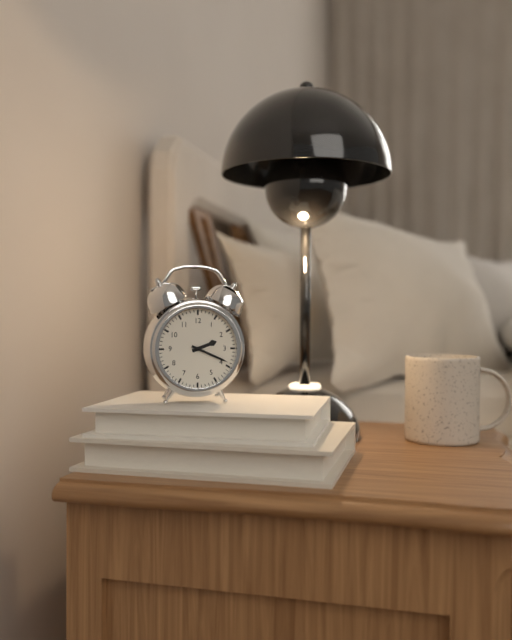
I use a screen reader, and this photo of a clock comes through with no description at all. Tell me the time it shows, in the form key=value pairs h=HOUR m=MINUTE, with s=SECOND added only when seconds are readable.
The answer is h=2 m=19
